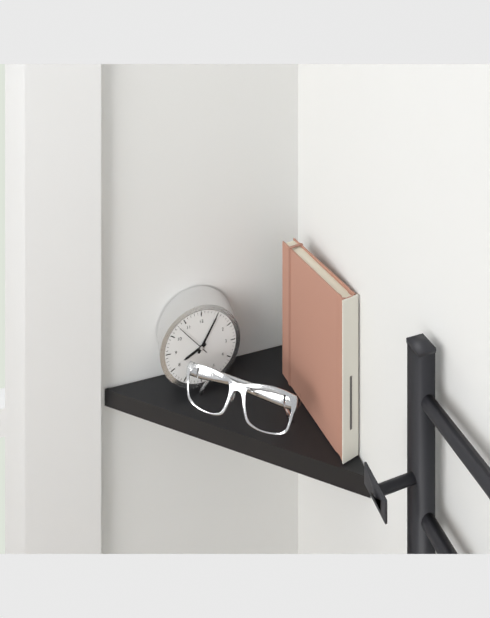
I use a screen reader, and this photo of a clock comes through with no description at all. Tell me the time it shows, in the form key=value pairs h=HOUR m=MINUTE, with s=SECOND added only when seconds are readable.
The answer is h=8 m=5
